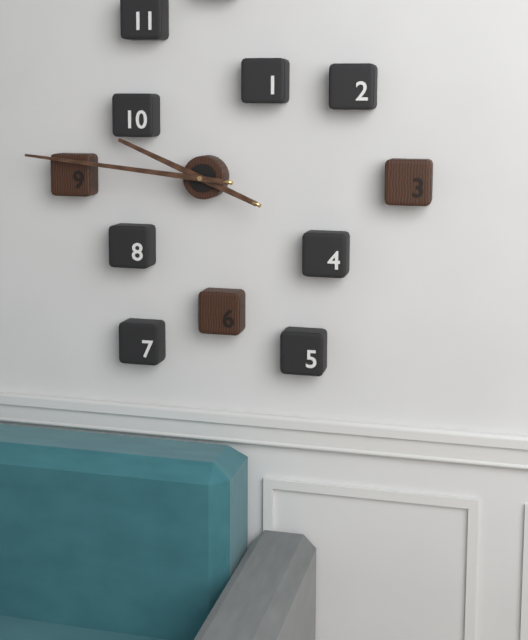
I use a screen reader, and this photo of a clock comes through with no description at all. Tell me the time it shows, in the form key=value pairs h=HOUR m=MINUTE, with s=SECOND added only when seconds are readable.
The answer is h=9 m=46
